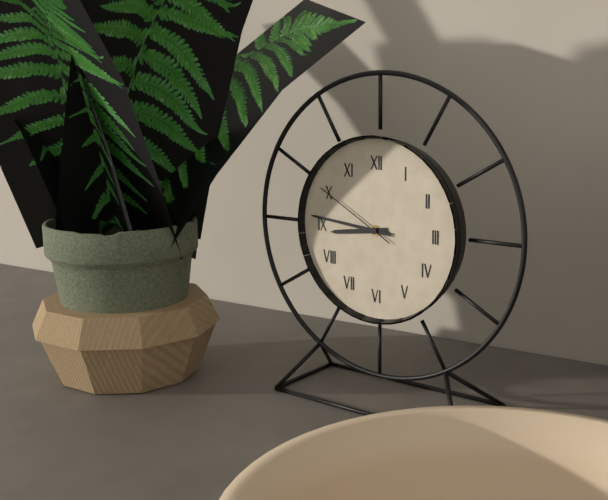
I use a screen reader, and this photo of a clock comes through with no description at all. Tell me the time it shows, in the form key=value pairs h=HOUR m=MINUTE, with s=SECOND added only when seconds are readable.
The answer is h=8 m=46 s=50
